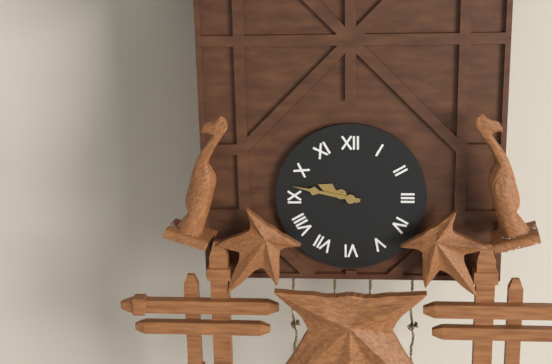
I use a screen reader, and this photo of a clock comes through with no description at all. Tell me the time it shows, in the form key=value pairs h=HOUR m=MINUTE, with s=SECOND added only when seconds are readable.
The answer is h=9 m=47
